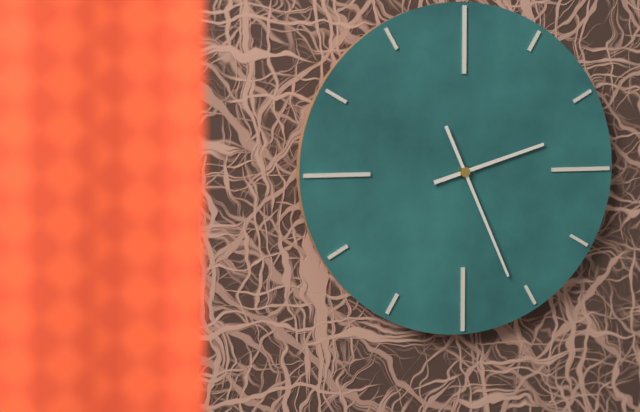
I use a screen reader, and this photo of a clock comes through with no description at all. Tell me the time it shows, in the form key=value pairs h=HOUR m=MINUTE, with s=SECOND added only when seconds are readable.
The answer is h=2 m=26
